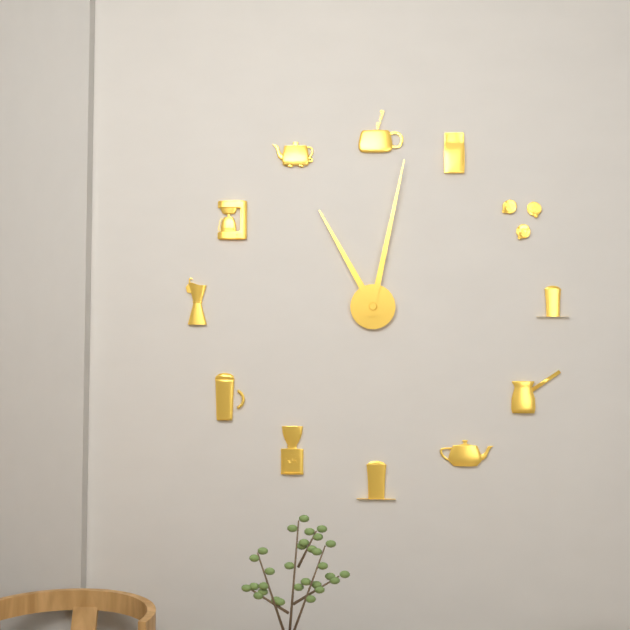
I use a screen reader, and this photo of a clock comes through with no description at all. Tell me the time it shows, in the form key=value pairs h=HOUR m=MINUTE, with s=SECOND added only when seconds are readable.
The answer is h=11 m=2
